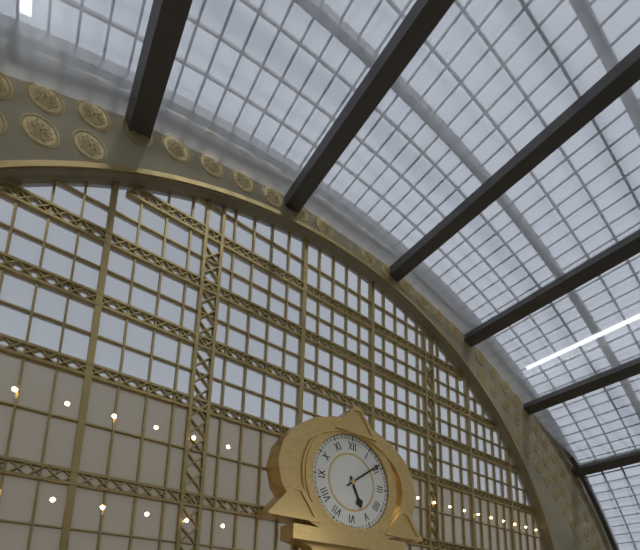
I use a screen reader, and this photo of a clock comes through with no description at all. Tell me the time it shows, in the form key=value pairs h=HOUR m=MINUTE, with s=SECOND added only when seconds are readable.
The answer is h=5 m=9
